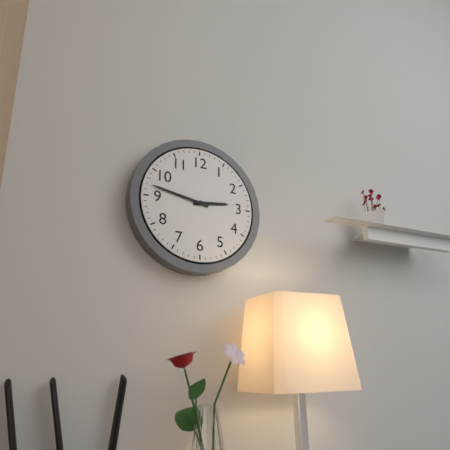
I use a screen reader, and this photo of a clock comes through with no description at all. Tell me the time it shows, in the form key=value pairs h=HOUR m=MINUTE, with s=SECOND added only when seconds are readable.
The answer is h=2 m=47
